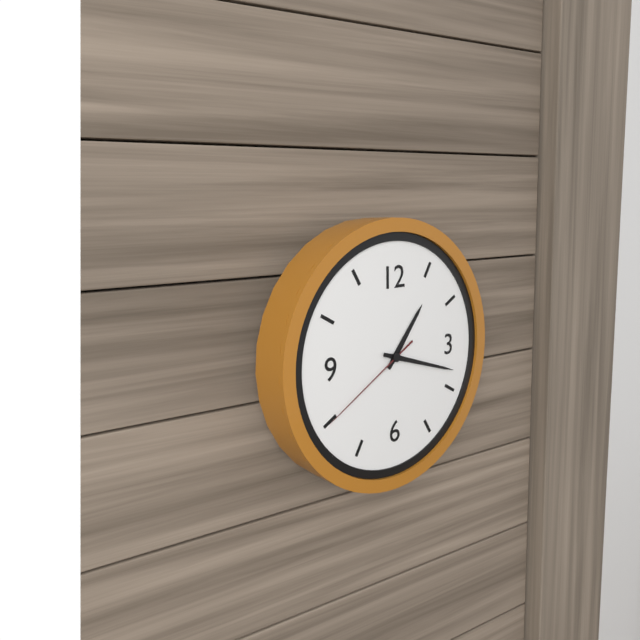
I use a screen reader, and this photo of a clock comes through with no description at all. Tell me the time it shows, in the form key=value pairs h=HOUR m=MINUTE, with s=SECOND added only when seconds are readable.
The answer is h=1 m=18 s=40
